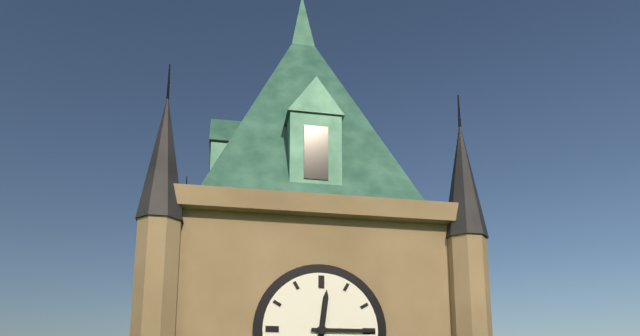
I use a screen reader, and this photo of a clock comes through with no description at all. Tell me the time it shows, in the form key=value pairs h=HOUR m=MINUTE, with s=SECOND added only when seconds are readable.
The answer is h=12 m=15
